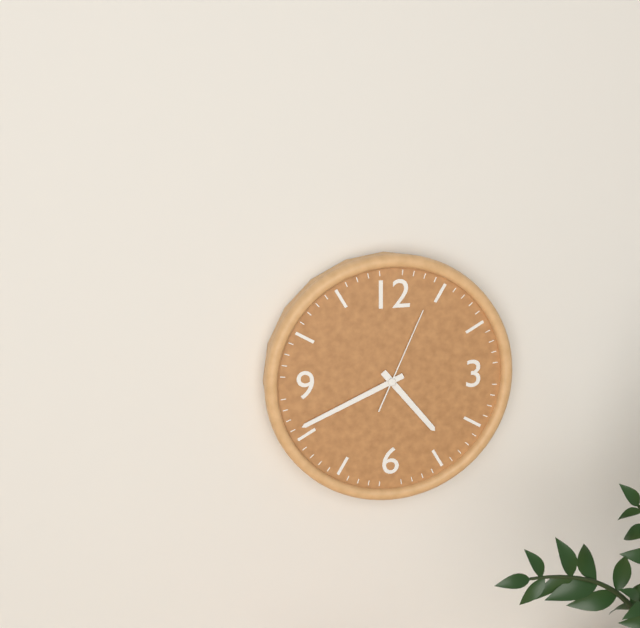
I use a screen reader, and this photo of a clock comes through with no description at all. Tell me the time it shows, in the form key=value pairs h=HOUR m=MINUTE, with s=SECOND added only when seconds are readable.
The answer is h=4 m=41 s=4
